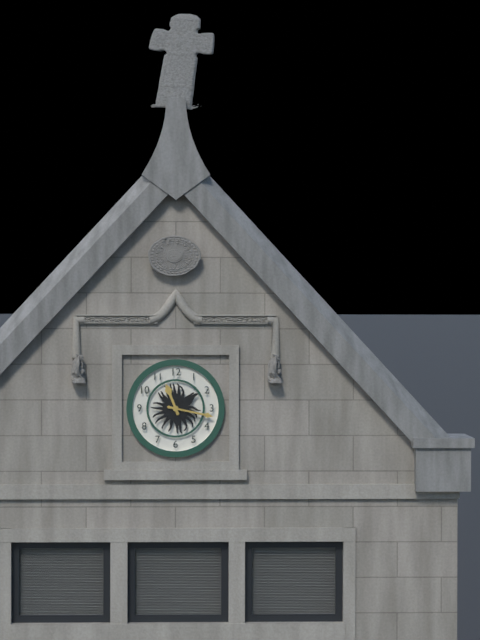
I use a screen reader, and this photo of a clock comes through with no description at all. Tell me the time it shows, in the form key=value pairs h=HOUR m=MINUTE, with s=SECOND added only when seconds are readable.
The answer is h=11 m=17
